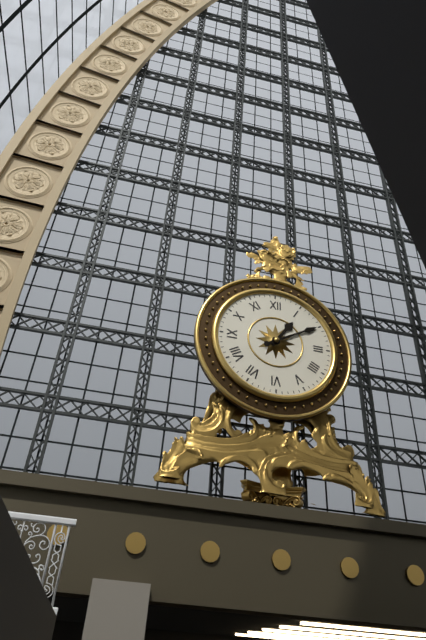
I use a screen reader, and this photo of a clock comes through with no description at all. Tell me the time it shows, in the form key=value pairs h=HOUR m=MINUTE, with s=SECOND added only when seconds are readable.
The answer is h=1 m=10
